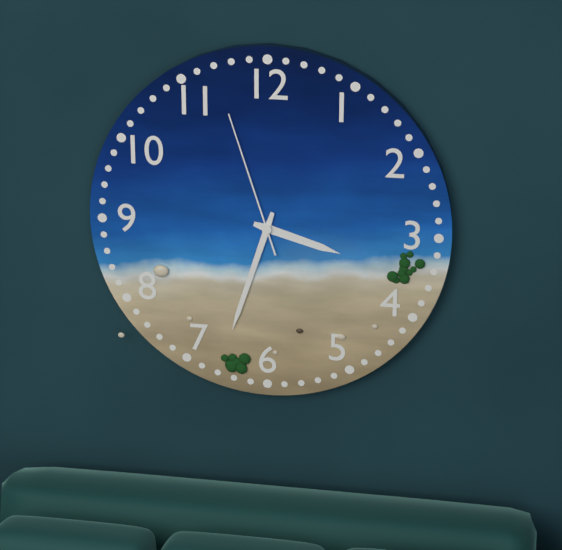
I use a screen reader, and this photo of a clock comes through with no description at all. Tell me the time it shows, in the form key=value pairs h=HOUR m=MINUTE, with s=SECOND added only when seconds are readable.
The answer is h=3 m=33 s=57
